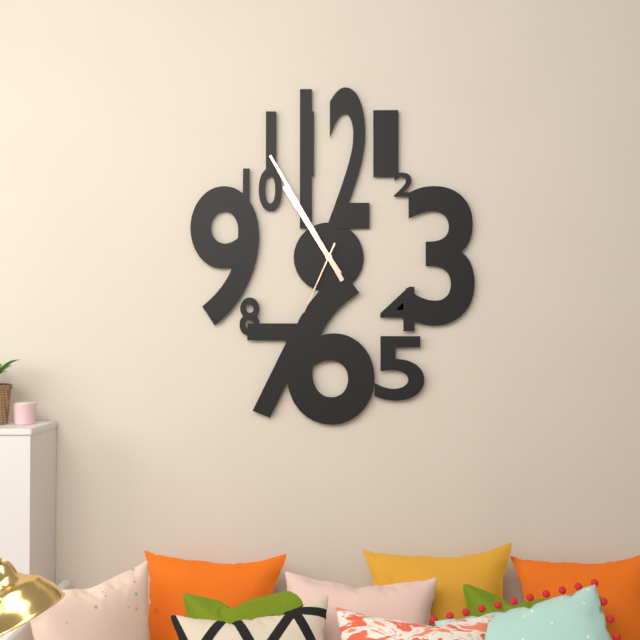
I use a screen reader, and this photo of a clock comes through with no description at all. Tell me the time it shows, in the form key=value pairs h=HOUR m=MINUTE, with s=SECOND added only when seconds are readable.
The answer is h=10 m=55 s=34
